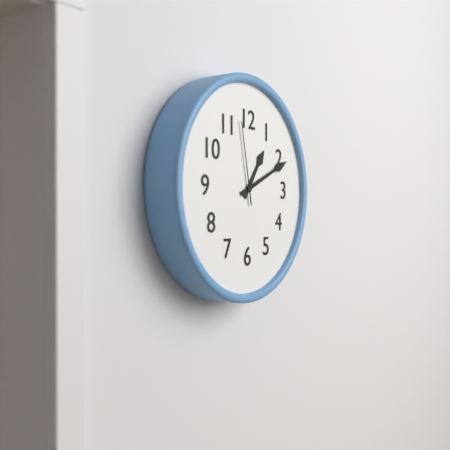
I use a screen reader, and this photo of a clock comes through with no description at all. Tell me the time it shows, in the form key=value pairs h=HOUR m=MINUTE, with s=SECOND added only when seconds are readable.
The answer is h=1 m=11 s=58
